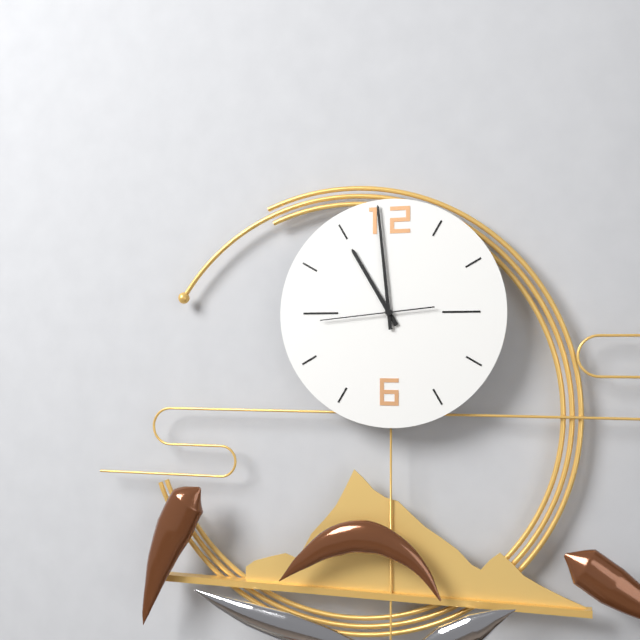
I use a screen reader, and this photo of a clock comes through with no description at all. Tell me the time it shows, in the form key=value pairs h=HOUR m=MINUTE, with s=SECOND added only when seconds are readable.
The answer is h=10 m=59 s=44
